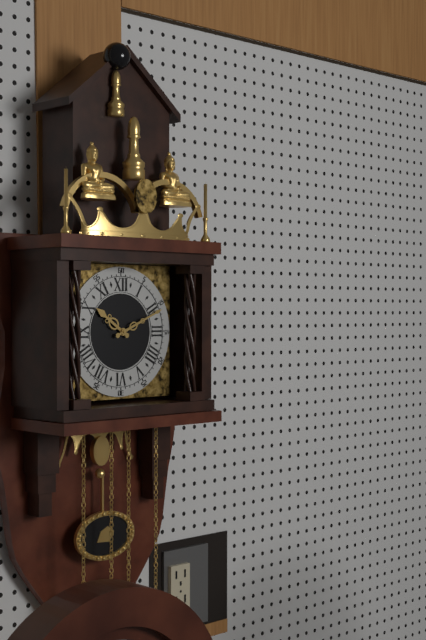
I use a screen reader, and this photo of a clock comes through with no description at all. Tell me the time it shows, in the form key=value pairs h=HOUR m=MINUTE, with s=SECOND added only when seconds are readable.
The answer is h=10 m=11
